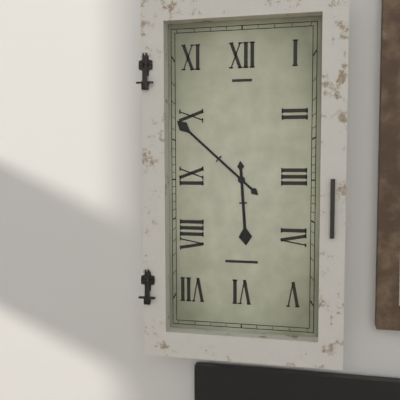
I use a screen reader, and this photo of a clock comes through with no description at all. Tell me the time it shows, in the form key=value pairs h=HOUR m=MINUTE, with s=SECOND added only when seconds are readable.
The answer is h=5 m=52
